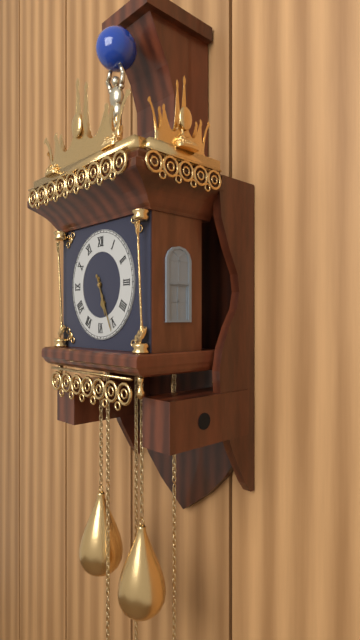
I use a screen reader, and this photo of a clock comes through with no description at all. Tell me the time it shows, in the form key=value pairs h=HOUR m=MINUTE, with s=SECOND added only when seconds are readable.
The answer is h=5 m=26
